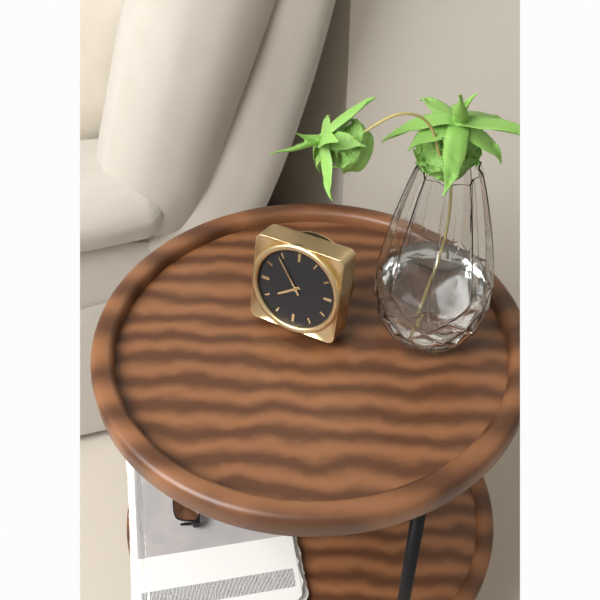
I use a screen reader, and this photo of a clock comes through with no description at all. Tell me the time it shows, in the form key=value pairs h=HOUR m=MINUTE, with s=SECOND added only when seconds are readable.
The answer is h=7 m=54
